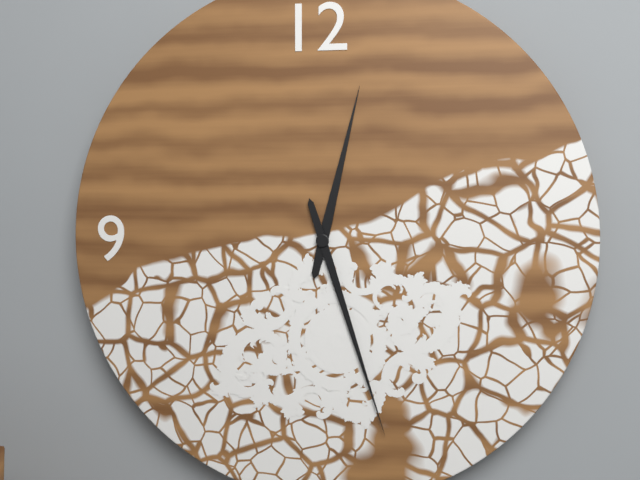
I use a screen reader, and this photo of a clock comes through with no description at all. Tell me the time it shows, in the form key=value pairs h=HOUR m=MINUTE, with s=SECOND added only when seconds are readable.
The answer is h=12 m=27
